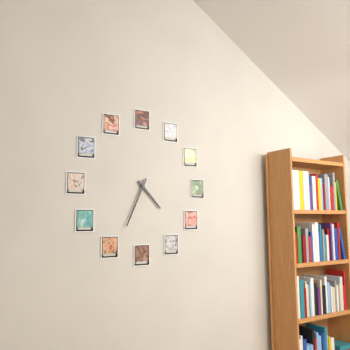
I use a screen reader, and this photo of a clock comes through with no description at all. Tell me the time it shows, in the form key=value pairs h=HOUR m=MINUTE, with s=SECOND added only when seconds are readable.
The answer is h=4 m=34
